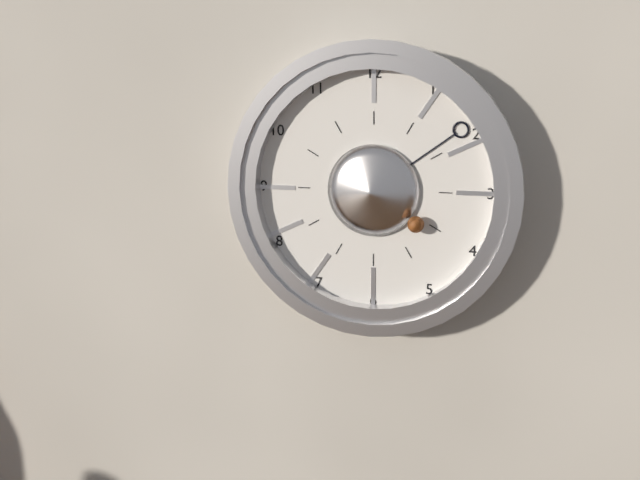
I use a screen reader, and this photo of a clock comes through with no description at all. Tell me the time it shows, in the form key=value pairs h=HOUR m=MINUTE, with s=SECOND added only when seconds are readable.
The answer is h=4 m=9
